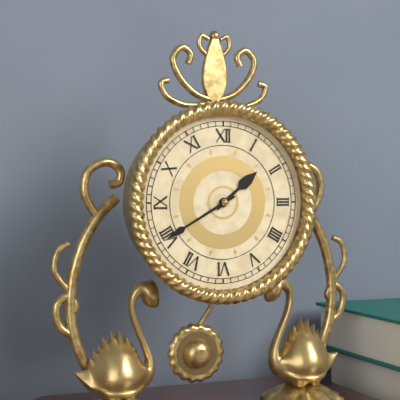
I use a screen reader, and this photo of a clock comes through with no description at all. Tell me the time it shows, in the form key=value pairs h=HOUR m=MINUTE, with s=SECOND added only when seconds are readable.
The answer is h=1 m=40
